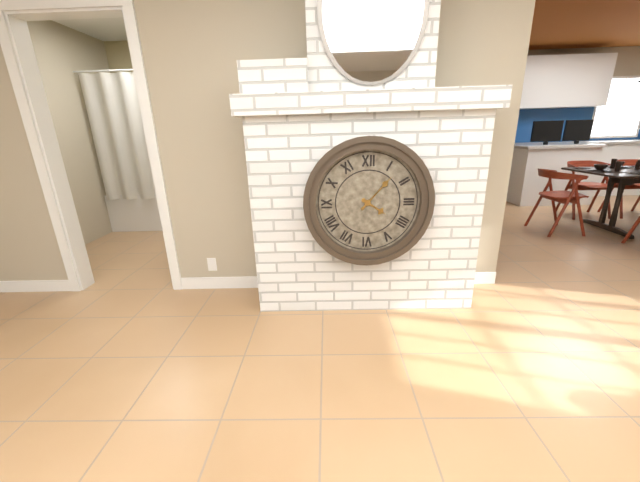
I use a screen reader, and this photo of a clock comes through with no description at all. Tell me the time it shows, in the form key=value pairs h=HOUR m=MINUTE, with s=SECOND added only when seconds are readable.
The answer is h=4 m=7
